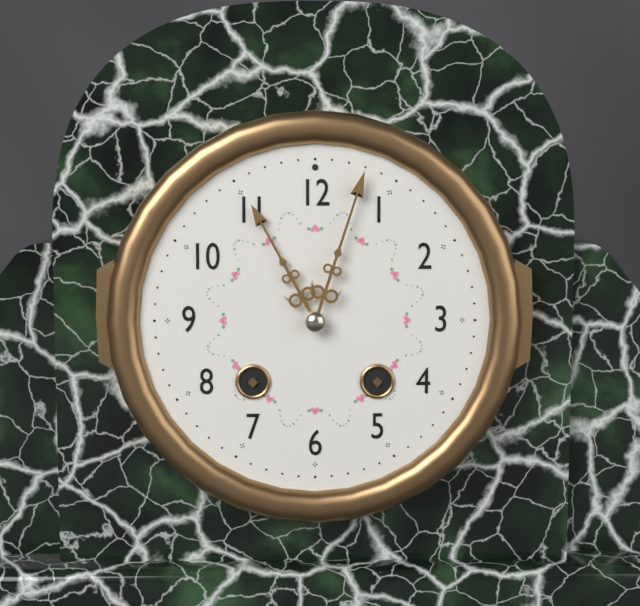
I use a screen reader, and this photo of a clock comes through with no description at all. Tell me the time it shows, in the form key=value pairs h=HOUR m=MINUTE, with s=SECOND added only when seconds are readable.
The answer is h=11 m=3
